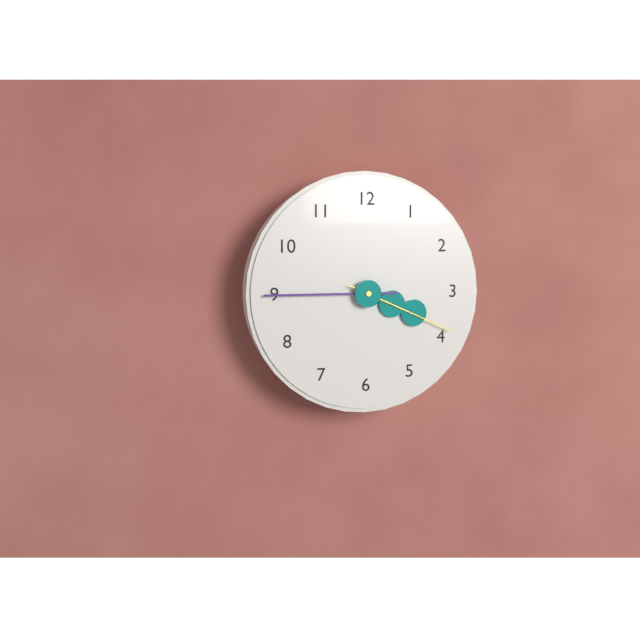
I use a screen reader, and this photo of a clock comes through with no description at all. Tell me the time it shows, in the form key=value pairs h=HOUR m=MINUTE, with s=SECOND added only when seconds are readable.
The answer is h=3 m=45 s=19
